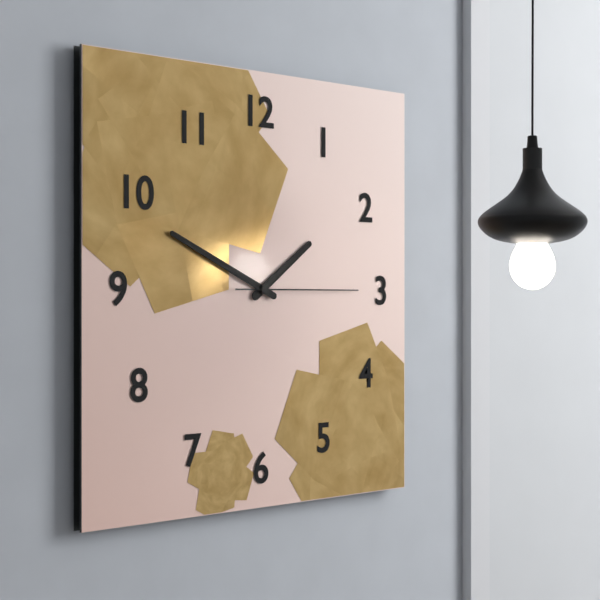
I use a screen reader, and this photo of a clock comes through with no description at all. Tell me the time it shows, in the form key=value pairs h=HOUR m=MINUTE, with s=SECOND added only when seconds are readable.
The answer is h=1 m=49 s=15
